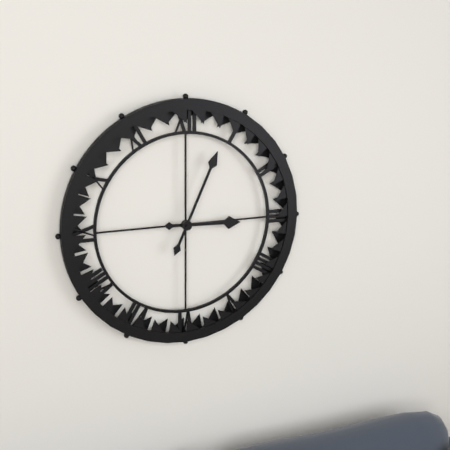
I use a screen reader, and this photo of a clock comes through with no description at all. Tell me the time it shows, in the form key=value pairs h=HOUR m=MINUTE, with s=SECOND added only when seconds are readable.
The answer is h=3 m=4
